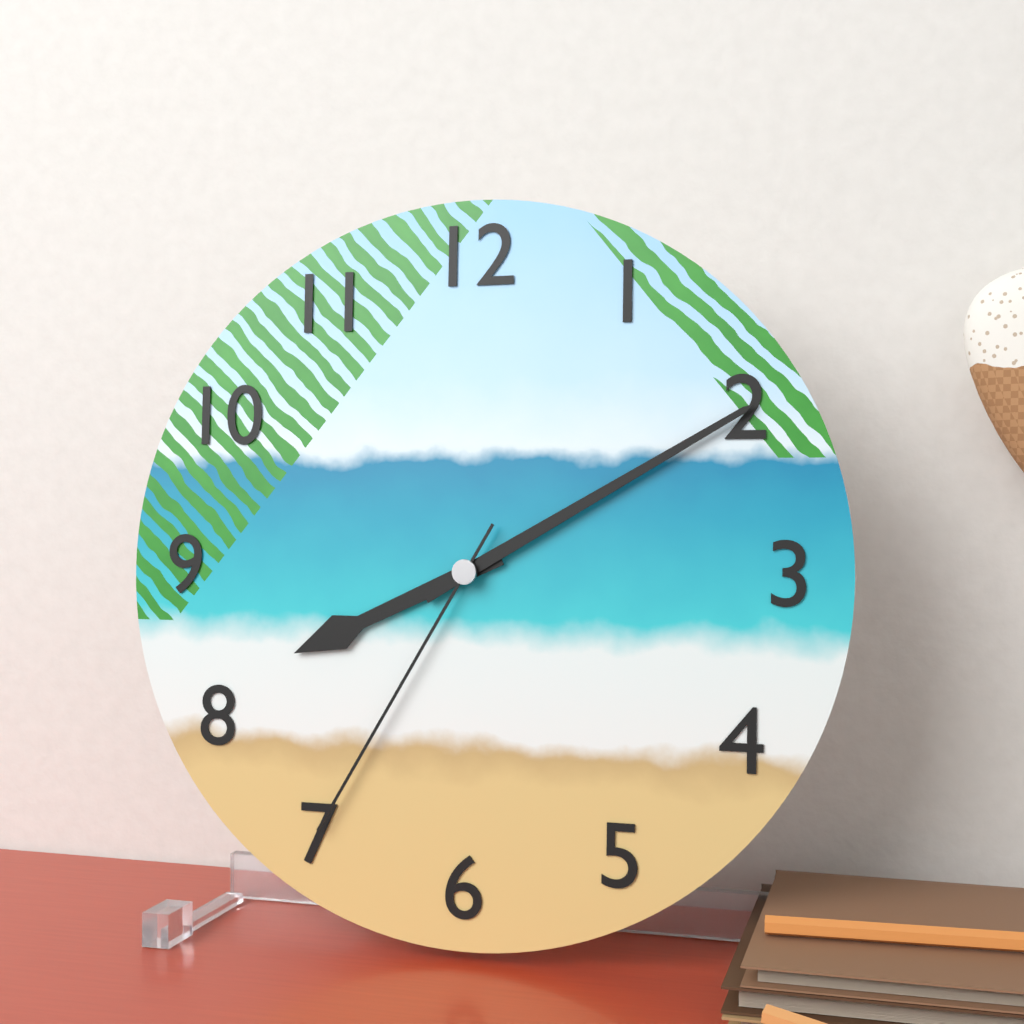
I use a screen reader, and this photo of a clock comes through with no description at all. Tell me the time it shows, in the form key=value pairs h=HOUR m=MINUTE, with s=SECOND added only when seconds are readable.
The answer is h=8 m=10 s=35
